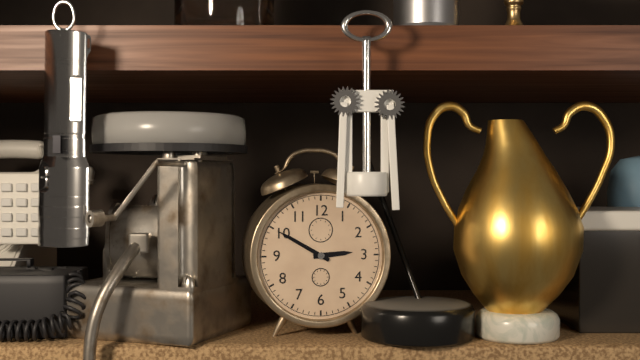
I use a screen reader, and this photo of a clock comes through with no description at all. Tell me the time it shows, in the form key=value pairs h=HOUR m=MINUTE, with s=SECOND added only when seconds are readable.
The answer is h=2 m=50
